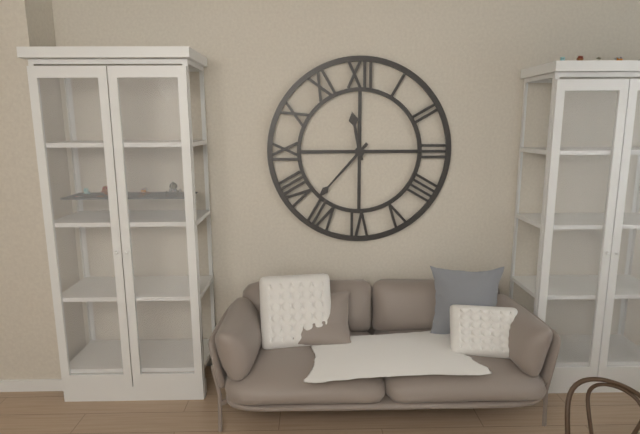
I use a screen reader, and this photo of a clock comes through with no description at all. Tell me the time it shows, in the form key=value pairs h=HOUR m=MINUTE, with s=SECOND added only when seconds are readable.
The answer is h=11 m=37
